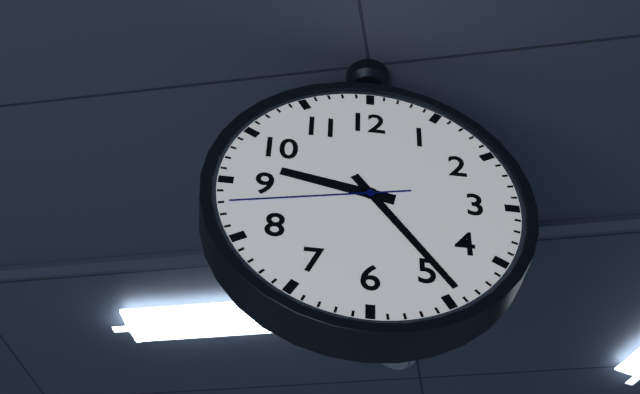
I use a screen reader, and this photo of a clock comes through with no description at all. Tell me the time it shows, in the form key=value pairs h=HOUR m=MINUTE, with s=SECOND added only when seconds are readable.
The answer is h=9 m=24 s=43
